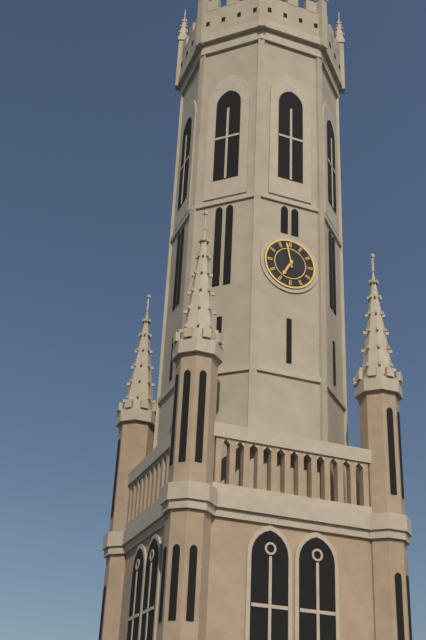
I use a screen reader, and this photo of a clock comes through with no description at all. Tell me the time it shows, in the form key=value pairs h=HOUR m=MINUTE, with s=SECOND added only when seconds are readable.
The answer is h=6 m=58
